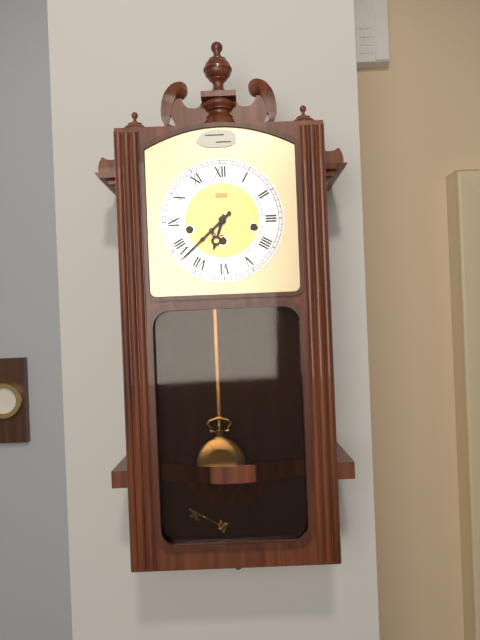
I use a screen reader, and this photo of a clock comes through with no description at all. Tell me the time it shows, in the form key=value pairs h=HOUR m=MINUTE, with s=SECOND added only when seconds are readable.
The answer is h=6 m=38
